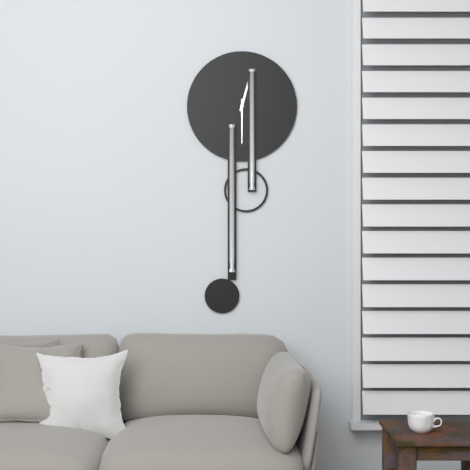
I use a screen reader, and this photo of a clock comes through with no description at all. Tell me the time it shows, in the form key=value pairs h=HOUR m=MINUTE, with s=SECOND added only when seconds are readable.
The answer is h=12 m=30
